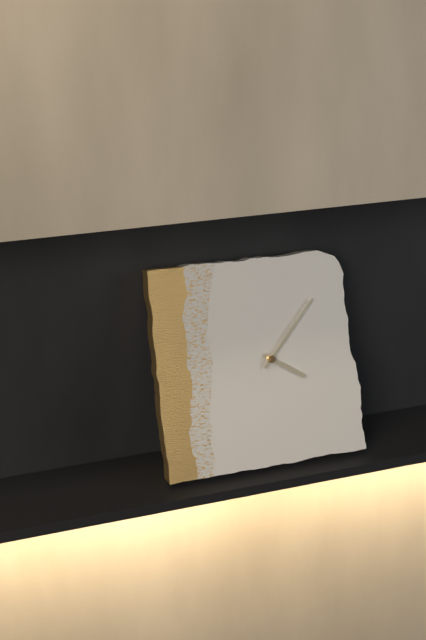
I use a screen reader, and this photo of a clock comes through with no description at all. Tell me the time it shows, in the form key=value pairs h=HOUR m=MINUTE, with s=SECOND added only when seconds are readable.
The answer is h=4 m=7
